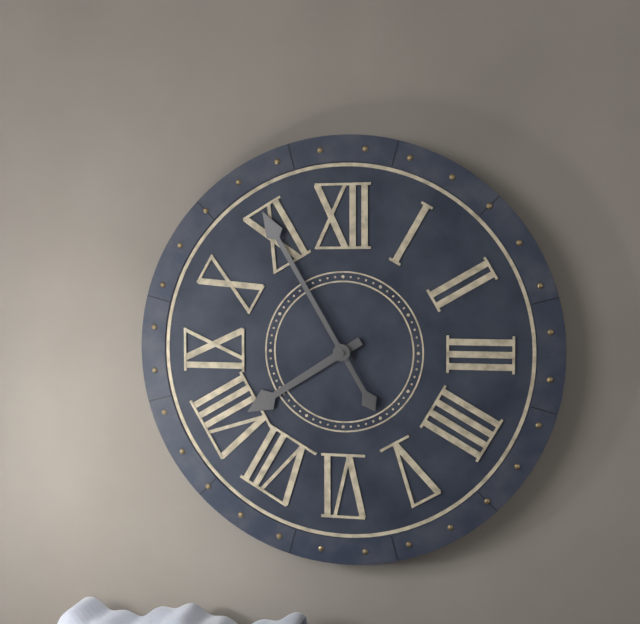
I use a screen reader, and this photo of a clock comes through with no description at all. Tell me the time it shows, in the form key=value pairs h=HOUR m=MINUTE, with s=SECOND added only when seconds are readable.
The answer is h=7 m=55
